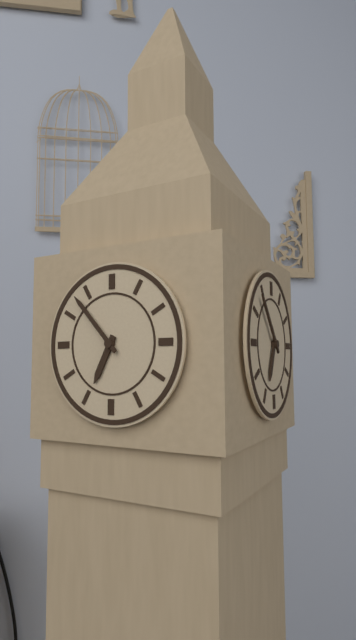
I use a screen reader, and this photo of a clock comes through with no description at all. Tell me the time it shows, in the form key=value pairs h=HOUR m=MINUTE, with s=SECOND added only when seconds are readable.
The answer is h=6 m=53
